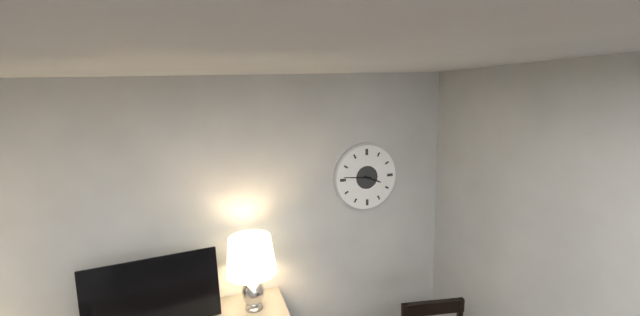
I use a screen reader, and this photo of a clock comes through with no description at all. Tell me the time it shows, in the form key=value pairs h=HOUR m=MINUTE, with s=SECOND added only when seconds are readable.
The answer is h=3 m=46
